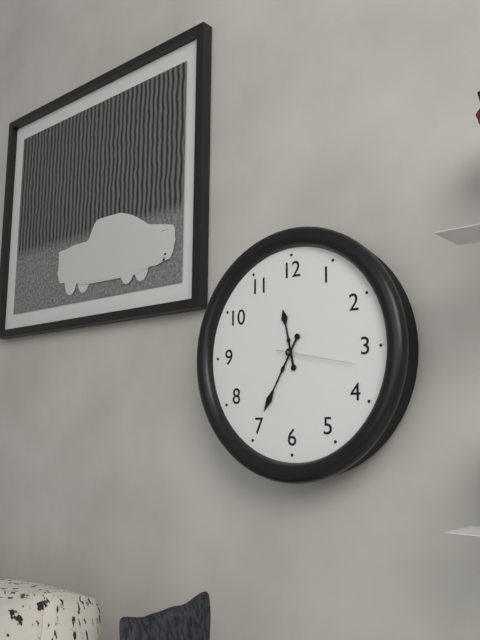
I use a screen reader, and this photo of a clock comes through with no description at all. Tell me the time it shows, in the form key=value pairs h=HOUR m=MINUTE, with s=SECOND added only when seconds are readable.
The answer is h=11 m=35 s=17
